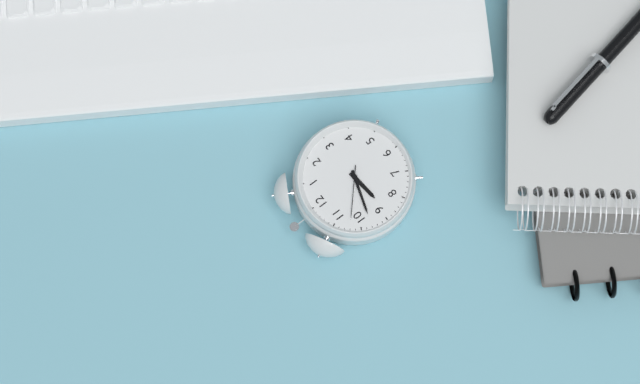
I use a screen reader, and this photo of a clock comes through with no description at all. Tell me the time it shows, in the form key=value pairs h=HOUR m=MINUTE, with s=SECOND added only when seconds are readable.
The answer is h=8 m=48 s=52
